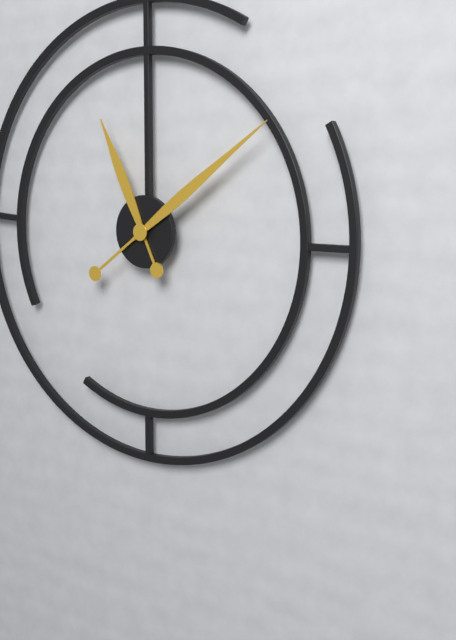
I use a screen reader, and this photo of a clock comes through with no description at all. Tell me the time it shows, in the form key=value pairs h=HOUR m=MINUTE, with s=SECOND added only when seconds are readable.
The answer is h=11 m=9
